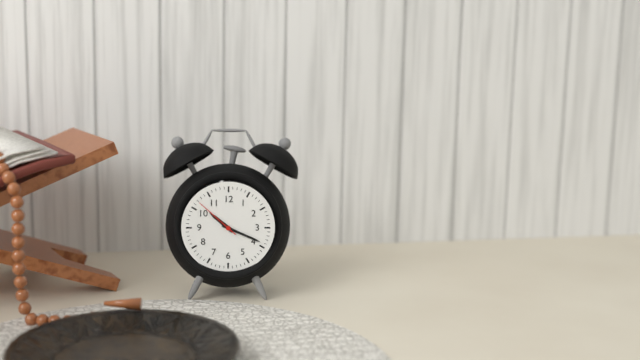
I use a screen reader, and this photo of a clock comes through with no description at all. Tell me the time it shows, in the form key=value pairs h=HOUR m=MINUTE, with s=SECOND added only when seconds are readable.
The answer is h=10 m=19
